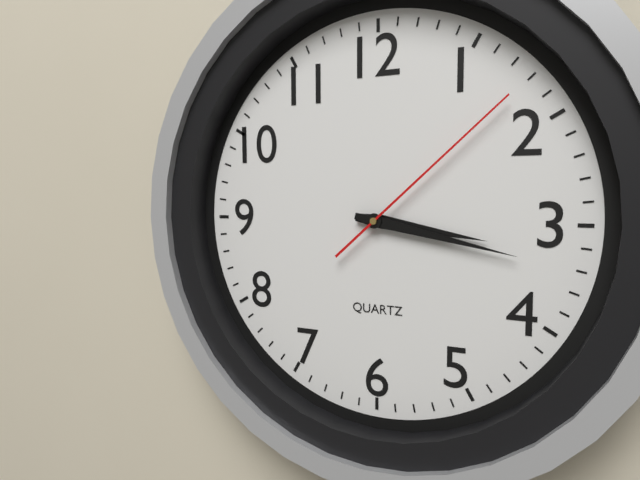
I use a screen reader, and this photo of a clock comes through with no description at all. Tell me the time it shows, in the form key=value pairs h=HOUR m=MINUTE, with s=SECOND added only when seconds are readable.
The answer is h=3 m=17 s=8
